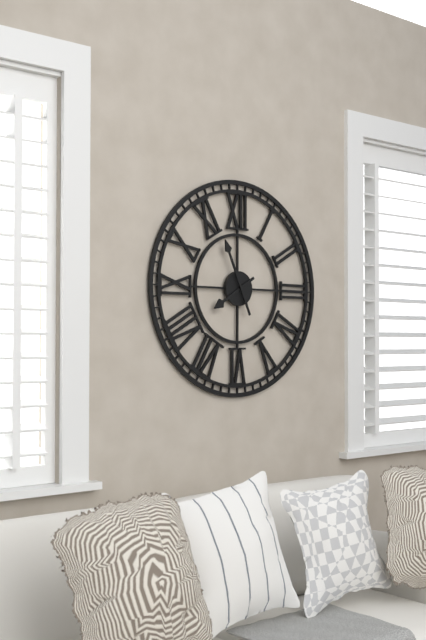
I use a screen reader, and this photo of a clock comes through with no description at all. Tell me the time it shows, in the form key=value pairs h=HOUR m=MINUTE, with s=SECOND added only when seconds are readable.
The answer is h=7 m=56
